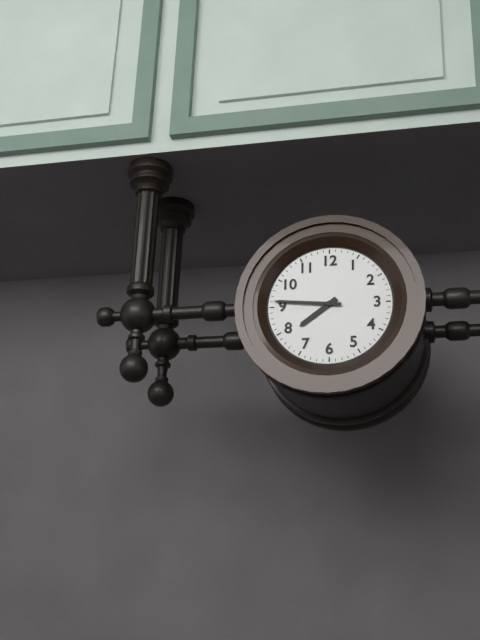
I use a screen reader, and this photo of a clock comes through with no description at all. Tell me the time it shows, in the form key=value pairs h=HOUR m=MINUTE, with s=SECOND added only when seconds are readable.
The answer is h=7 m=46
